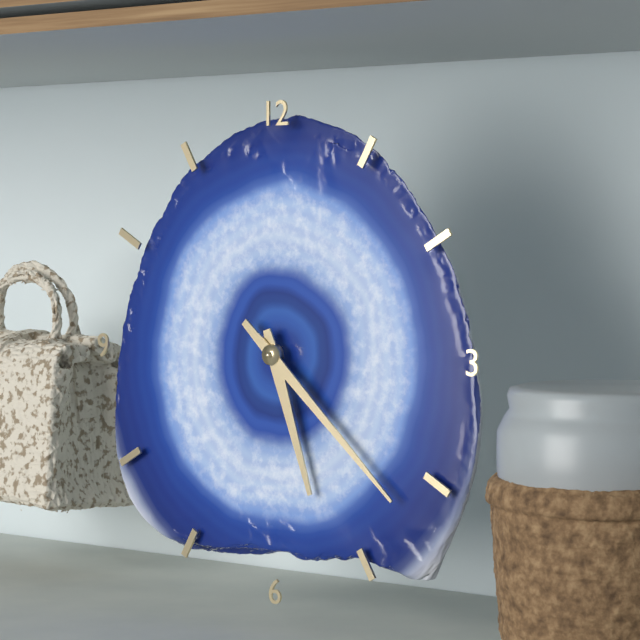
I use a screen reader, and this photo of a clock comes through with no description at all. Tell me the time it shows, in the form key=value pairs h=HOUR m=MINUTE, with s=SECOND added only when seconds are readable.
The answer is h=5 m=22
